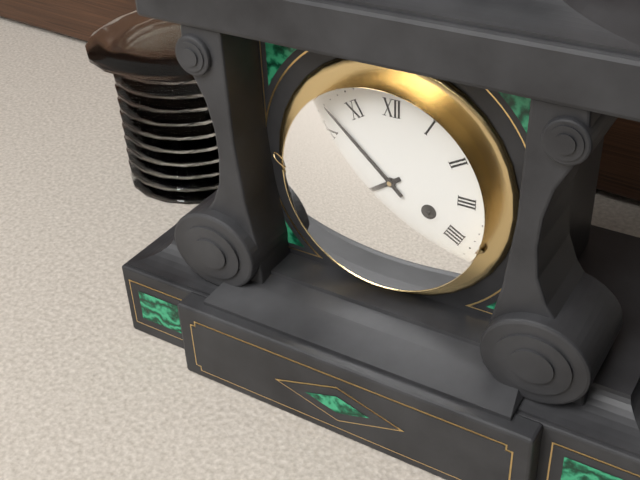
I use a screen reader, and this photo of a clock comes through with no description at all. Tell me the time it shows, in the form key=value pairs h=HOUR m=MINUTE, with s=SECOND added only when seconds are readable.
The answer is h=7 m=52
